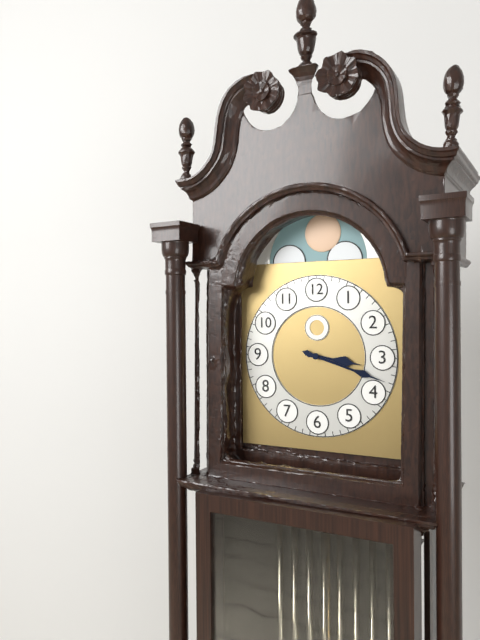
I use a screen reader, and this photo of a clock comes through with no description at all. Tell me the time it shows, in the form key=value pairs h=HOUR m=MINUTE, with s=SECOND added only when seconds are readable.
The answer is h=3 m=18
